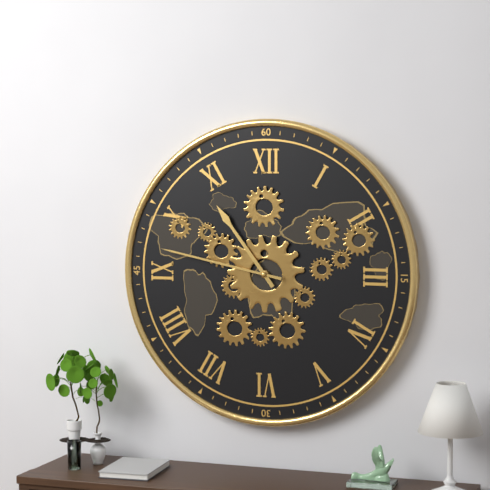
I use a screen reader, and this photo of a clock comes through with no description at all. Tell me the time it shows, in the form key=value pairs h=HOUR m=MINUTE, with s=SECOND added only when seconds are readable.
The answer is h=10 m=47
